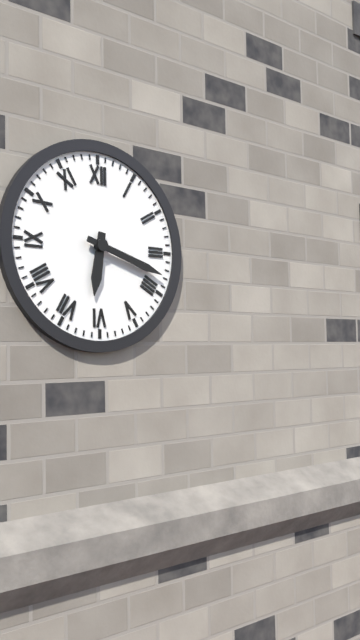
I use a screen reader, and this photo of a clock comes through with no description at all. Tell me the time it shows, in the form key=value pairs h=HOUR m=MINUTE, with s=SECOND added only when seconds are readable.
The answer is h=6 m=18
